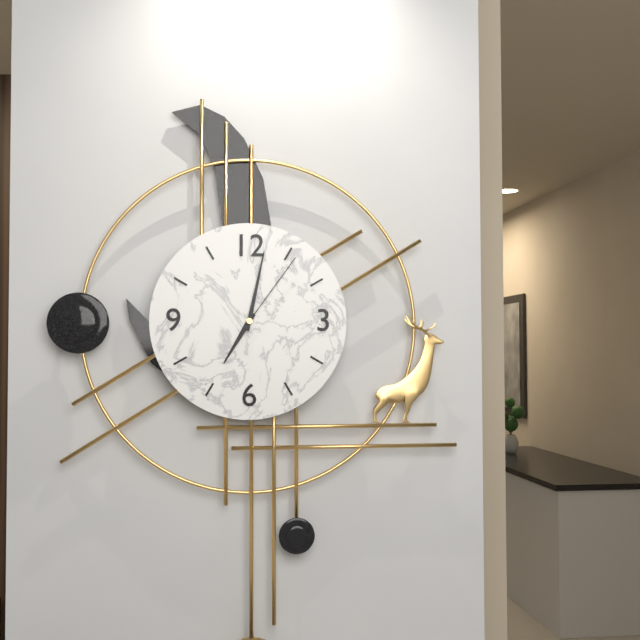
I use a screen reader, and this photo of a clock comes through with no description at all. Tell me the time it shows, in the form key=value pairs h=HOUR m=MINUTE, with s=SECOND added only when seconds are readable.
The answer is h=7 m=2 s=6
